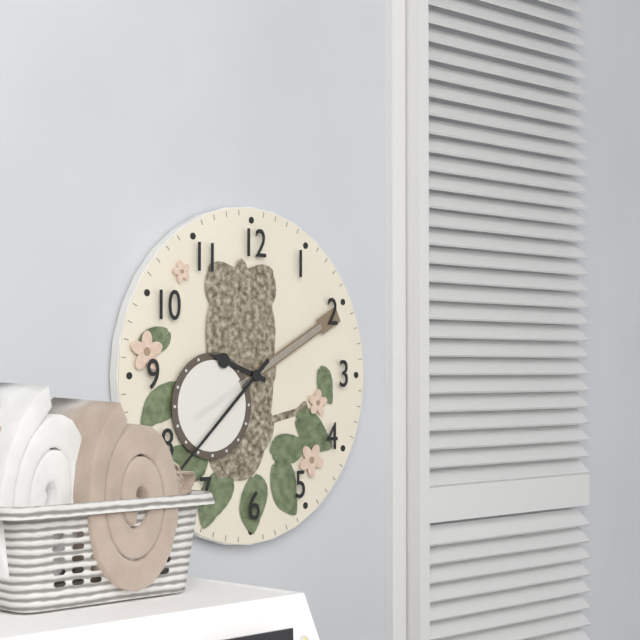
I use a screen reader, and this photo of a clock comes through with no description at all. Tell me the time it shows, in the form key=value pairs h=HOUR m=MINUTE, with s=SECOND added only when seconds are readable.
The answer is h=9 m=38
